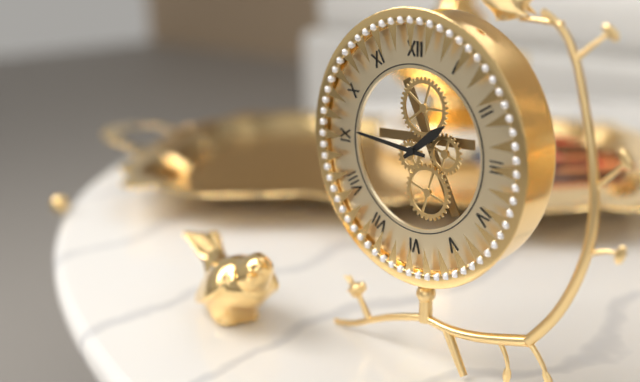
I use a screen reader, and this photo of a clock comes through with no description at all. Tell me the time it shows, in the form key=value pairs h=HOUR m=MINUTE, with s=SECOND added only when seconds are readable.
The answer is h=1 m=46
